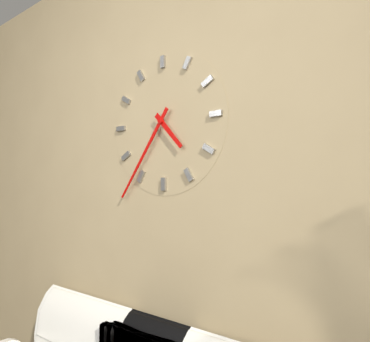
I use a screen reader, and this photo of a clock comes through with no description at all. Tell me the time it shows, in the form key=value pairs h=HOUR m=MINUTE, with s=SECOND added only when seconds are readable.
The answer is h=4 m=36
